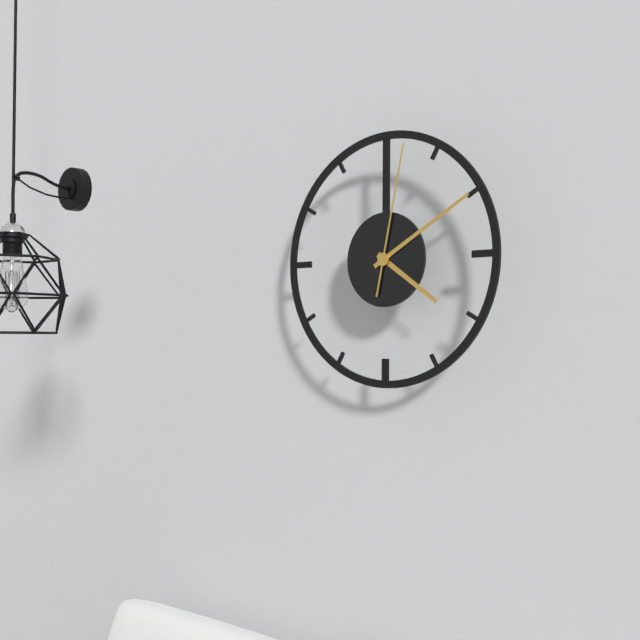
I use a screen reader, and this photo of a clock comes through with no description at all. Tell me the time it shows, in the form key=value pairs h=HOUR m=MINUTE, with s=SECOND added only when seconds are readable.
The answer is h=4 m=10 s=2
